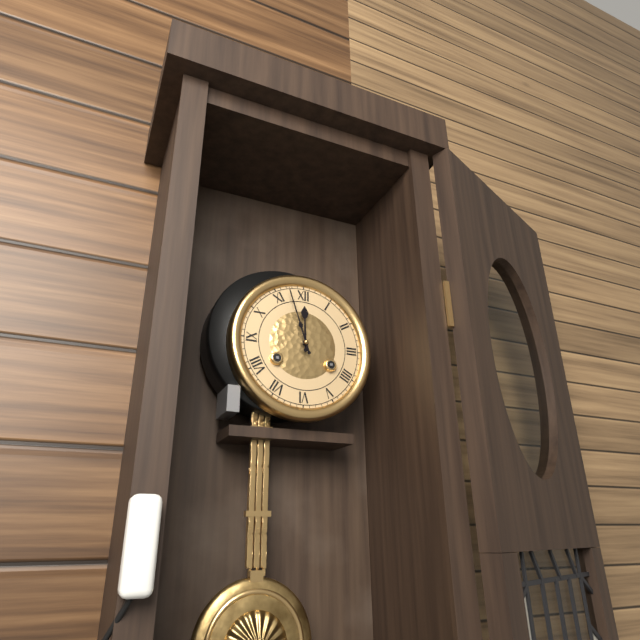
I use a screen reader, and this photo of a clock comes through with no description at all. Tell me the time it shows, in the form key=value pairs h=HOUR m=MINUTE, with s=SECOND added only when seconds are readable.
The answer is h=11 m=57
